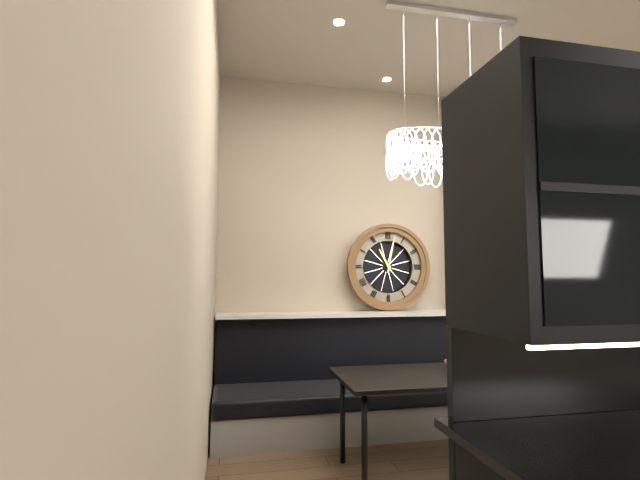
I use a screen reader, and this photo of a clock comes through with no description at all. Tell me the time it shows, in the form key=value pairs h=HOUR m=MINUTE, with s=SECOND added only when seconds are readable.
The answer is h=11 m=2
